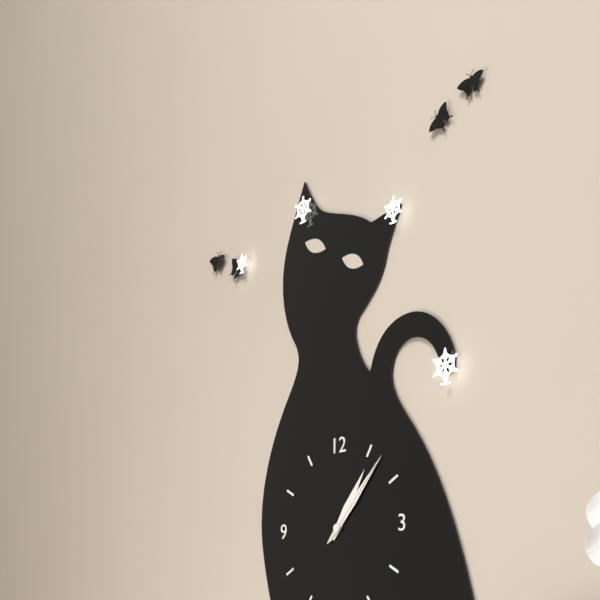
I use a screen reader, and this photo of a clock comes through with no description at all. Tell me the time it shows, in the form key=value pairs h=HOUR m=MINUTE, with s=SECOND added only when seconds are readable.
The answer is h=1 m=7 s=7
